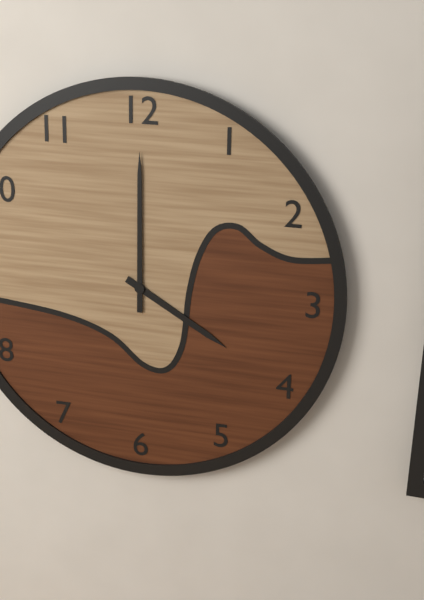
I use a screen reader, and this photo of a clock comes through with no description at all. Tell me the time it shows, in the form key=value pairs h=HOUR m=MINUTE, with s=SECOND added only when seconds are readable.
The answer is h=4 m=0
